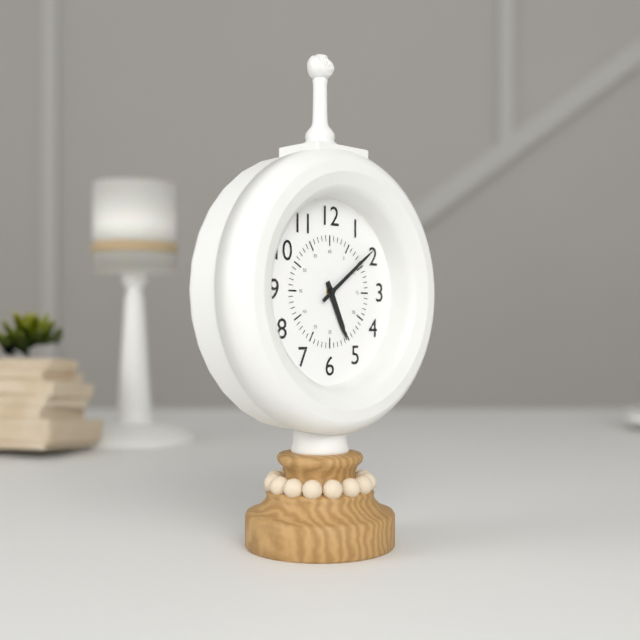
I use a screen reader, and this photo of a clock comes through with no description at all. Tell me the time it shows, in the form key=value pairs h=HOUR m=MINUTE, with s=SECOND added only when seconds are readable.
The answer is h=5 m=9
